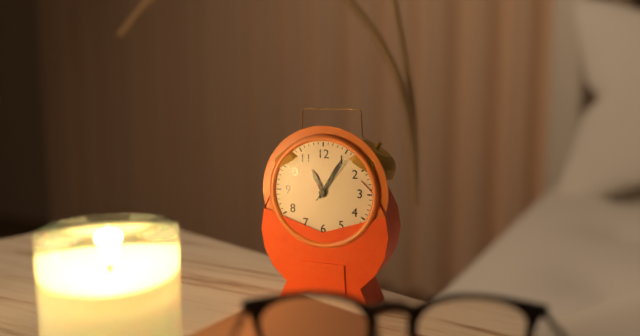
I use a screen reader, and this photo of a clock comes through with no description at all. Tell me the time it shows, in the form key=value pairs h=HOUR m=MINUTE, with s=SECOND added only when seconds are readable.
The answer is h=11 m=5
